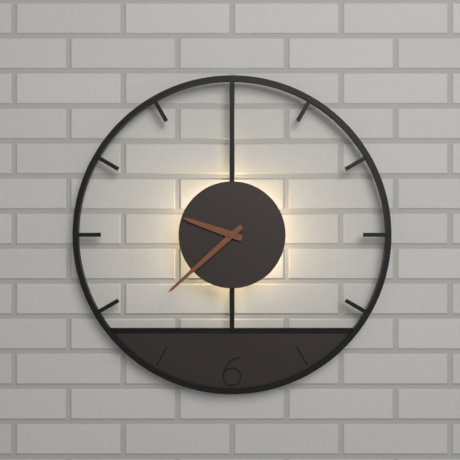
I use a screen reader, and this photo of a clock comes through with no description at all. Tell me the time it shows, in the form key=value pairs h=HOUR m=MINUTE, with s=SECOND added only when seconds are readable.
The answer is h=9 m=38
